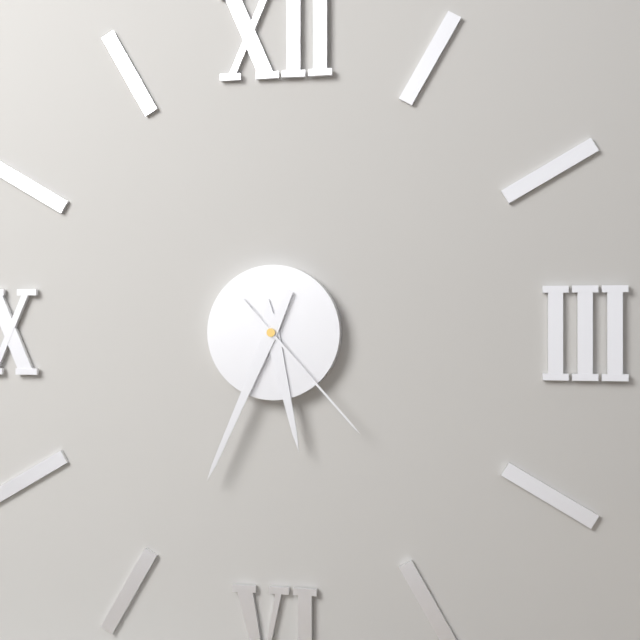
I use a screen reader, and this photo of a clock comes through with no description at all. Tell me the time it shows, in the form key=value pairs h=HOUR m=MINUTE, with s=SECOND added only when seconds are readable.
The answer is h=5 m=34 s=23
